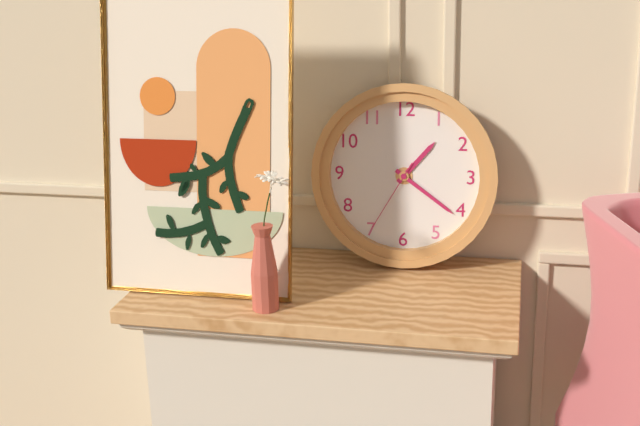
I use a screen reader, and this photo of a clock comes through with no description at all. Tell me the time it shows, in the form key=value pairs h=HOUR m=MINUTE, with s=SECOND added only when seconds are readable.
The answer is h=1 m=21 s=35
